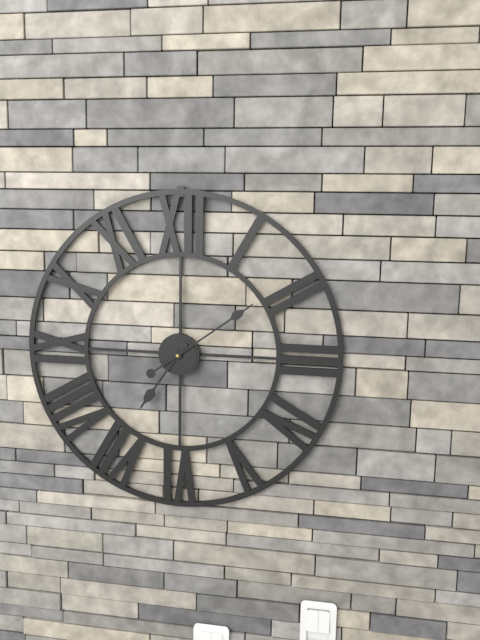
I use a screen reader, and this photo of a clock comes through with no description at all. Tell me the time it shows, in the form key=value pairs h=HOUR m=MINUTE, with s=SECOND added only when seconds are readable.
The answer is h=7 m=9
